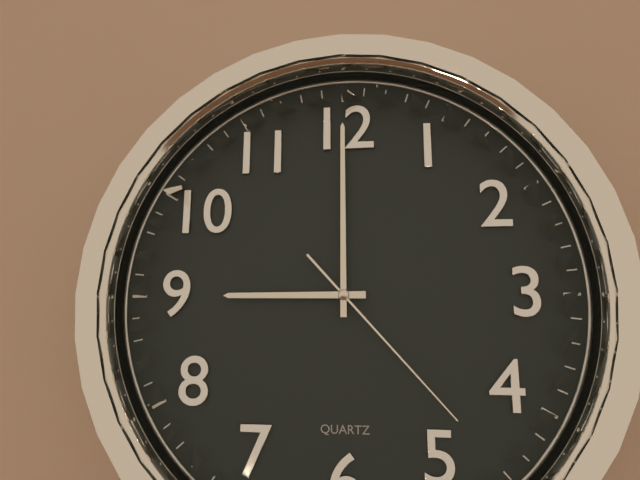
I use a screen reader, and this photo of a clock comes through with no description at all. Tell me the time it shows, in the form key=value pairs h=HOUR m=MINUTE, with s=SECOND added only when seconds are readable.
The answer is h=9 m=0 s=23
